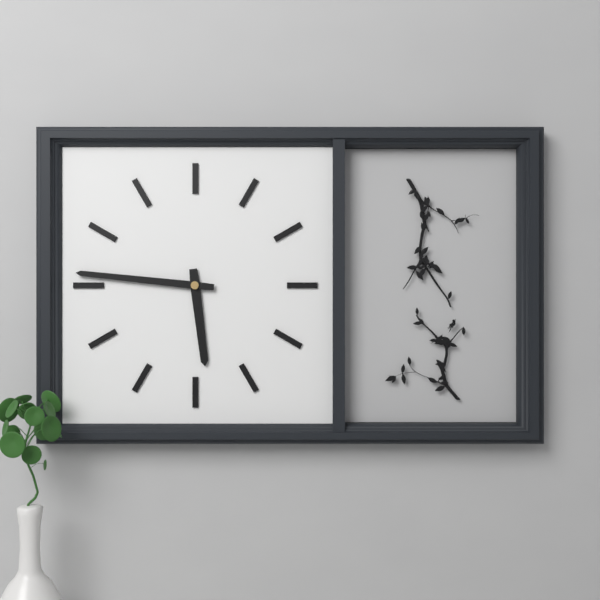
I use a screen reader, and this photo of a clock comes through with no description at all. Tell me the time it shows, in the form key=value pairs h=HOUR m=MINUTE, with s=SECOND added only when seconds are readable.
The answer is h=5 m=46
